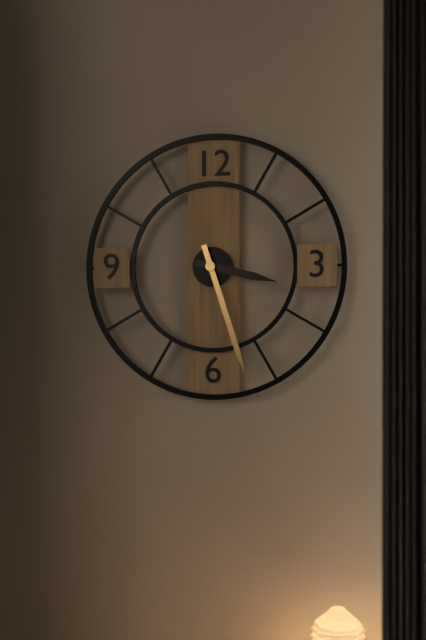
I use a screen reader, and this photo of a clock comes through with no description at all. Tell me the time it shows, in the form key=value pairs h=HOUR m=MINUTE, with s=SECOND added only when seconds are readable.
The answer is h=3 m=27
